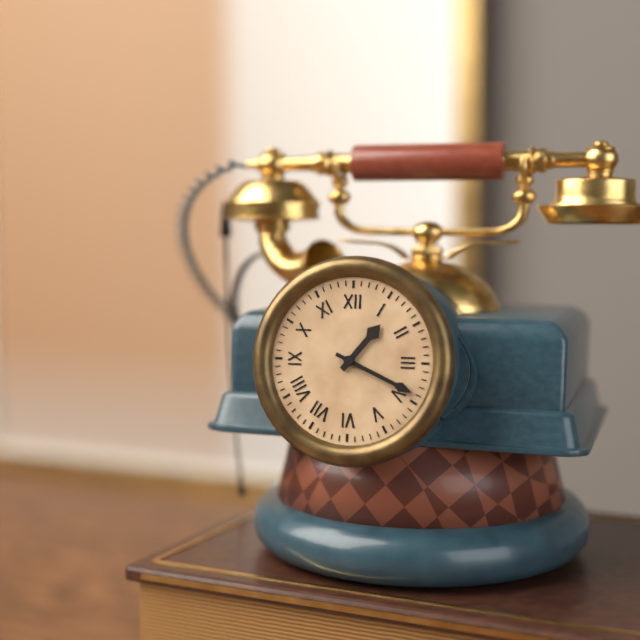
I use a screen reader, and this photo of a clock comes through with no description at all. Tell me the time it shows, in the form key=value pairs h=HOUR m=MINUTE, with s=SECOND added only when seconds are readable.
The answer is h=1 m=19
